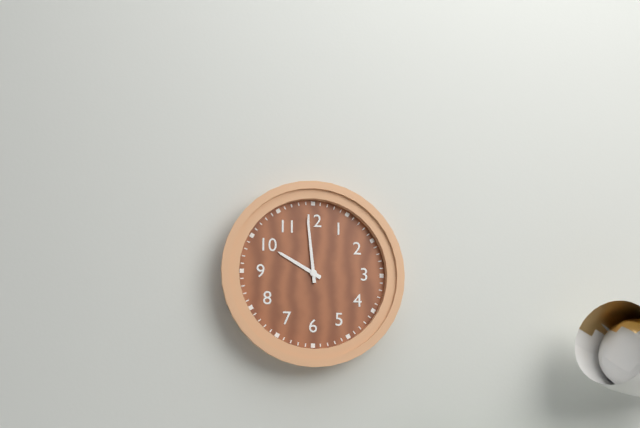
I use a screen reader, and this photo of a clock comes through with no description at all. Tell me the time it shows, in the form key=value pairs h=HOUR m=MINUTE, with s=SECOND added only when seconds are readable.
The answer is h=9 m=59
